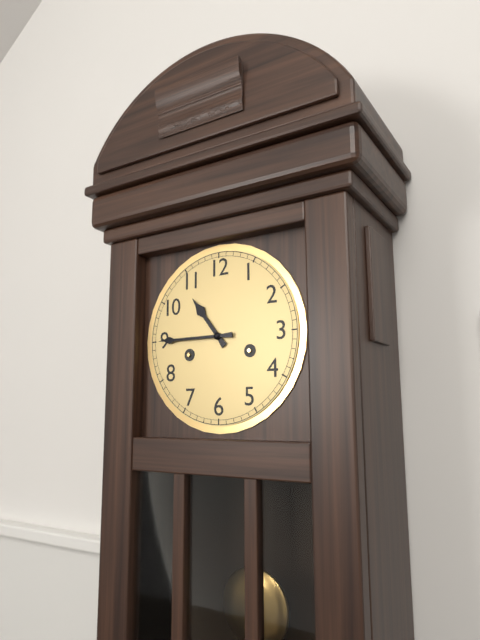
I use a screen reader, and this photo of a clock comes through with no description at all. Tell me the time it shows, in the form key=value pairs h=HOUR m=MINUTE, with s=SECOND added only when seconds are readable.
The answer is h=10 m=45
